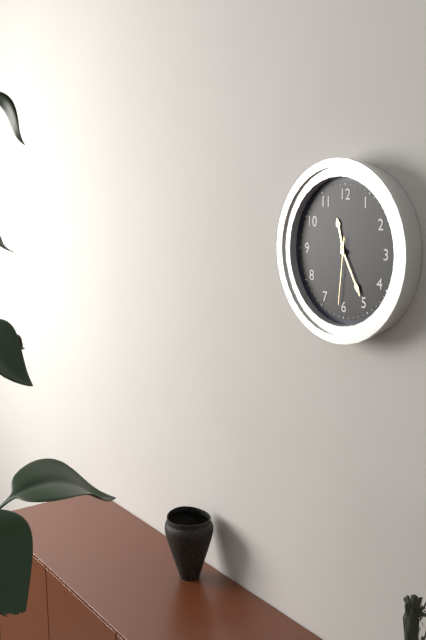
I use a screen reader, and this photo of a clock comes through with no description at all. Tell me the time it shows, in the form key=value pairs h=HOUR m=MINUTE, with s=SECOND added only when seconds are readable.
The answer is h=11 m=25 s=31
